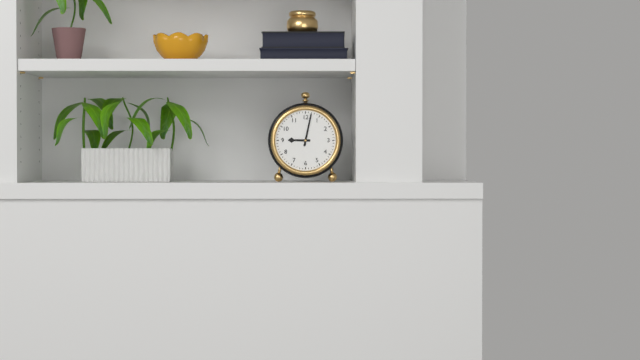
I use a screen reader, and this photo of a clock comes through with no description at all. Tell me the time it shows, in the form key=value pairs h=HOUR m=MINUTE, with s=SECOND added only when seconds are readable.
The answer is h=9 m=2
